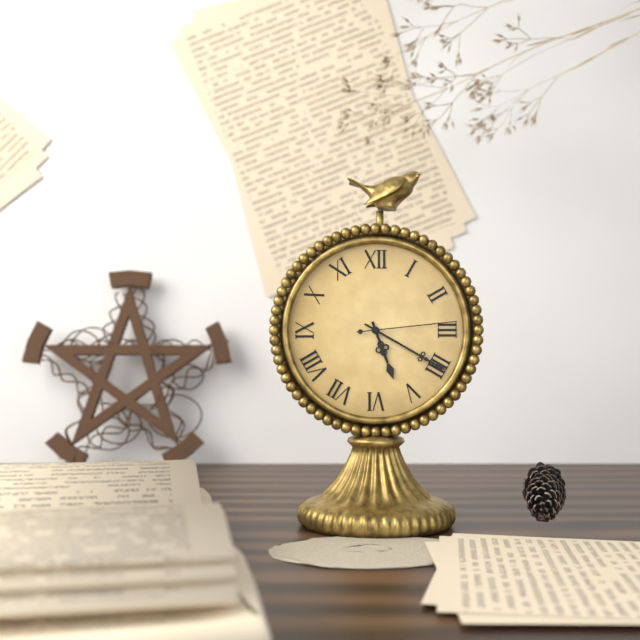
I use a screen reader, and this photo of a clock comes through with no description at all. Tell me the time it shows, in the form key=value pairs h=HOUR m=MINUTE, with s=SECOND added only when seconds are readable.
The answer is h=5 m=20 s=14
